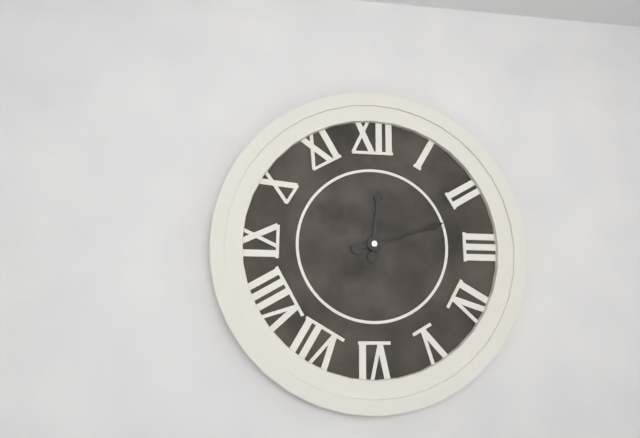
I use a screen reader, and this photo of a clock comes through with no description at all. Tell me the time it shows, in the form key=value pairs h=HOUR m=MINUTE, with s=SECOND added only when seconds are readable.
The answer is h=12 m=12
